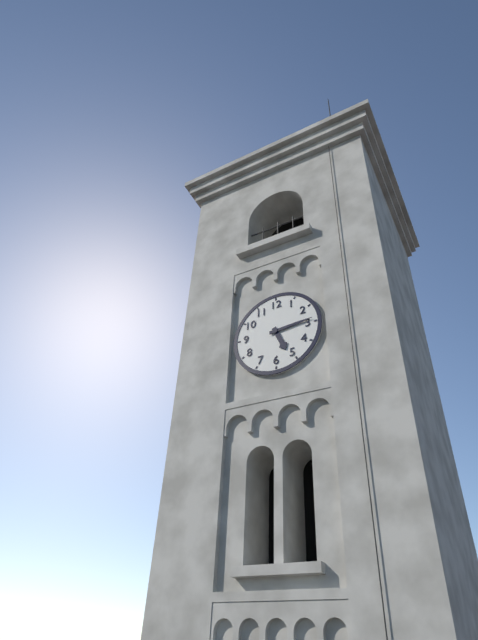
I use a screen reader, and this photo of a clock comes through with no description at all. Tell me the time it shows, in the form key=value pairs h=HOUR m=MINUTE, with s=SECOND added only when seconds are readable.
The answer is h=5 m=14
